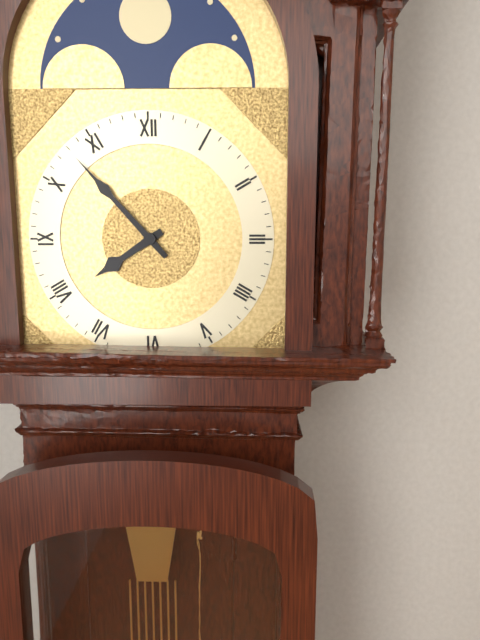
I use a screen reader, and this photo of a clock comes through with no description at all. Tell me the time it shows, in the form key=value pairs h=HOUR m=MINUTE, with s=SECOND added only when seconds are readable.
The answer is h=7 m=53
